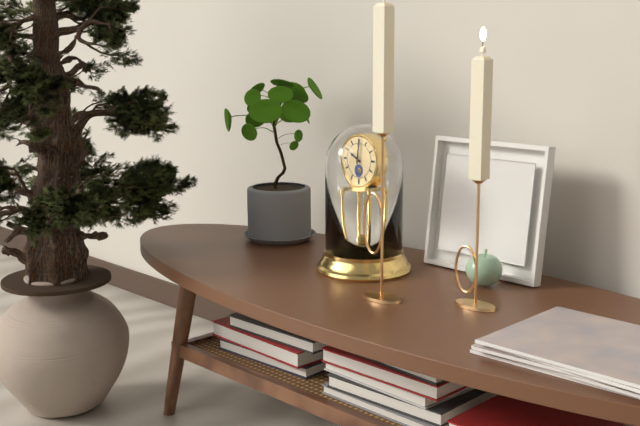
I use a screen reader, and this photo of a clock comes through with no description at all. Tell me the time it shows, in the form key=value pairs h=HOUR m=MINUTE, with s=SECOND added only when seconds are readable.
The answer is h=10 m=1
